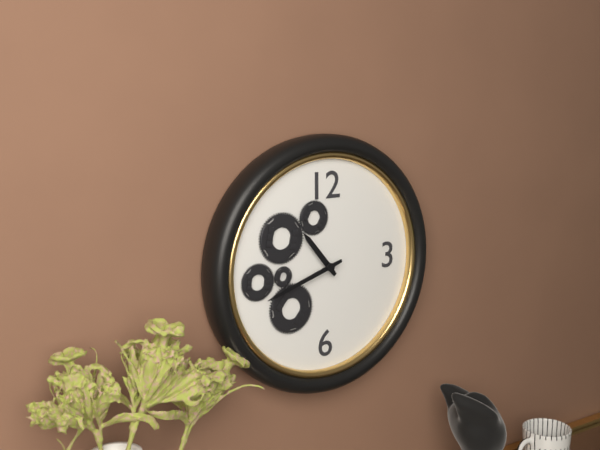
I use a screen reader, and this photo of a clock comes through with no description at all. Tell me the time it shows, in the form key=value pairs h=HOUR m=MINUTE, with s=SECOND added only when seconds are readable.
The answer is h=10 m=42
